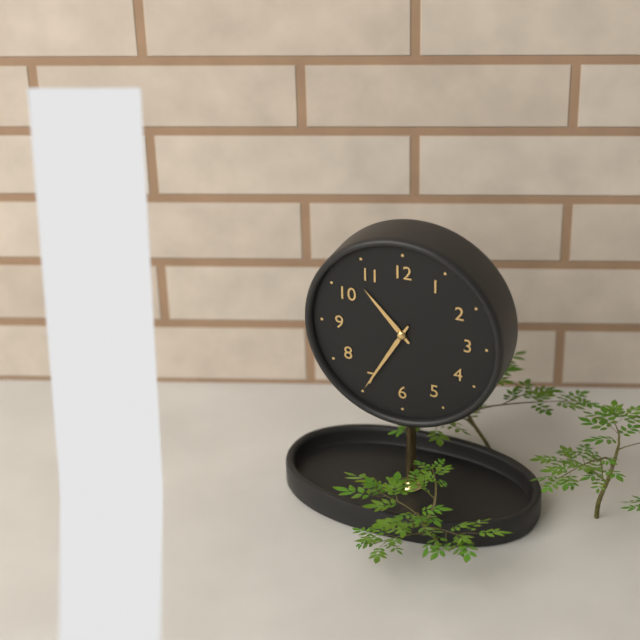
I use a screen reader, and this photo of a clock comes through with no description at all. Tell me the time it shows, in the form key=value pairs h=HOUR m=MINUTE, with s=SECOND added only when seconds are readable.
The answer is h=10 m=35
